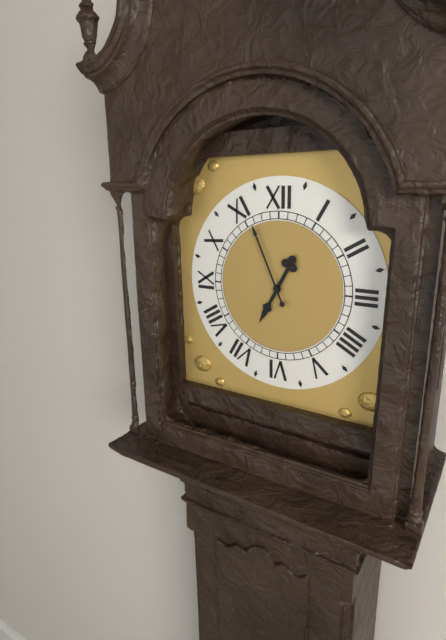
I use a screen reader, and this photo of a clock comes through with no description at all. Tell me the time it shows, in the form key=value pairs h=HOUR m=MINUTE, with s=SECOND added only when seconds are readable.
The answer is h=6 m=56
